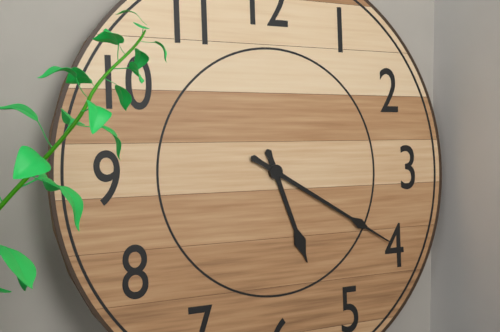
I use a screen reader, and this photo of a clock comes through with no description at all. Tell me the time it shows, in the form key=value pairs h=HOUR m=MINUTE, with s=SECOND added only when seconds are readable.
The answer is h=5 m=20
